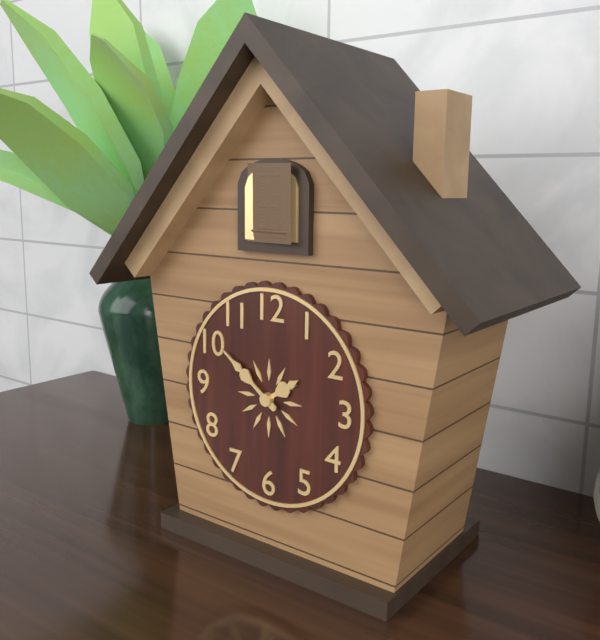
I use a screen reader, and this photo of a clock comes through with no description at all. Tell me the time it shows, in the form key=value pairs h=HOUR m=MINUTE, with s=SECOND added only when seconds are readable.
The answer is h=1 m=51
